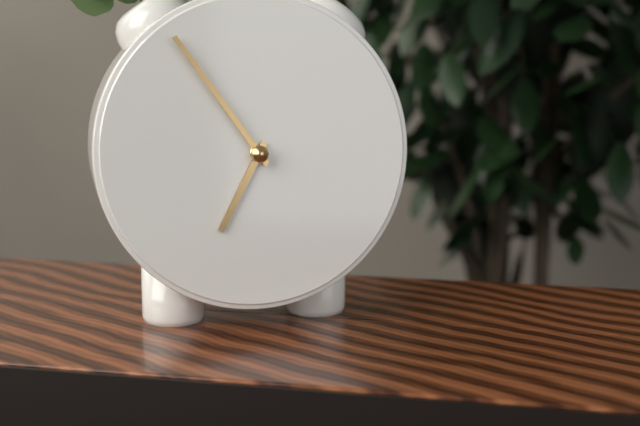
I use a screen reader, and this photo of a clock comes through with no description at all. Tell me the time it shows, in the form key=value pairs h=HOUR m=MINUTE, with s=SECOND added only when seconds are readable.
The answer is h=6 m=54
